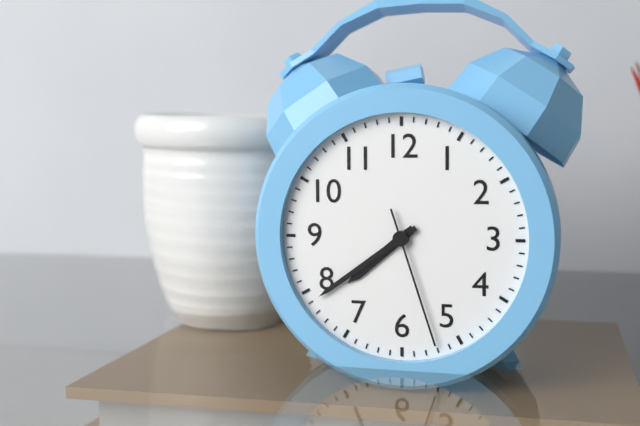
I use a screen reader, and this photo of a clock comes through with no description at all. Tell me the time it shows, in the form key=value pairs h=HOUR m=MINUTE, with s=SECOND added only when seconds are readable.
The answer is h=7 m=39 s=27
